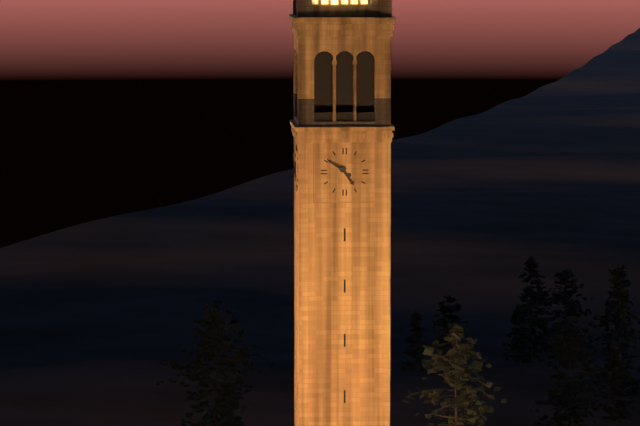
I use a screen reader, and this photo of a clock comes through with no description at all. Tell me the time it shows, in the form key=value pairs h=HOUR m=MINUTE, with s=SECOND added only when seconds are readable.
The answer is h=4 m=51
